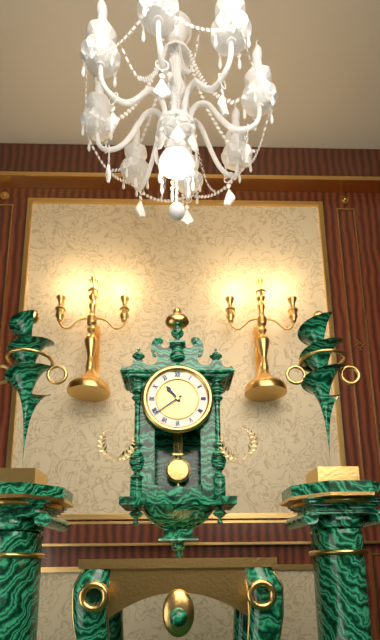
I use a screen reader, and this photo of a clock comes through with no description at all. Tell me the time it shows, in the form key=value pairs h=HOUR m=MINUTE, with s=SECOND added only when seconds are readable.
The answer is h=10 m=39
